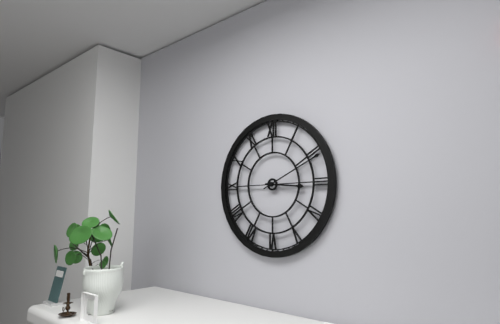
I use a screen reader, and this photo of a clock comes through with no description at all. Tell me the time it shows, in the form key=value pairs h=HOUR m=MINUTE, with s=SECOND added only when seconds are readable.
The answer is h=3 m=11
